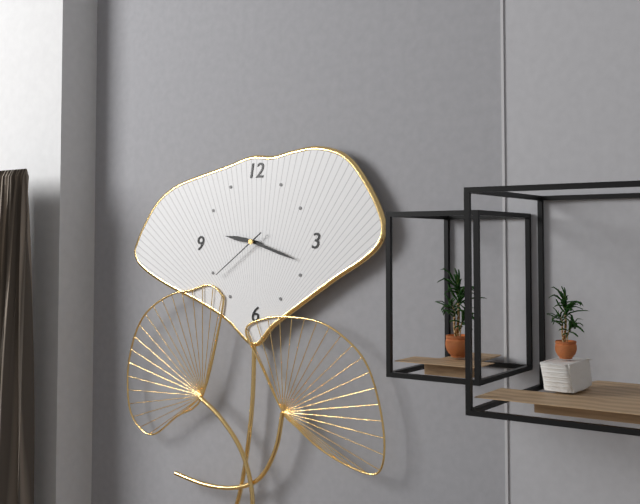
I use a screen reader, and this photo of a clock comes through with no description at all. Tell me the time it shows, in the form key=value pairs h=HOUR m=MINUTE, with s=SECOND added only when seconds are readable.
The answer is h=9 m=18 s=39
